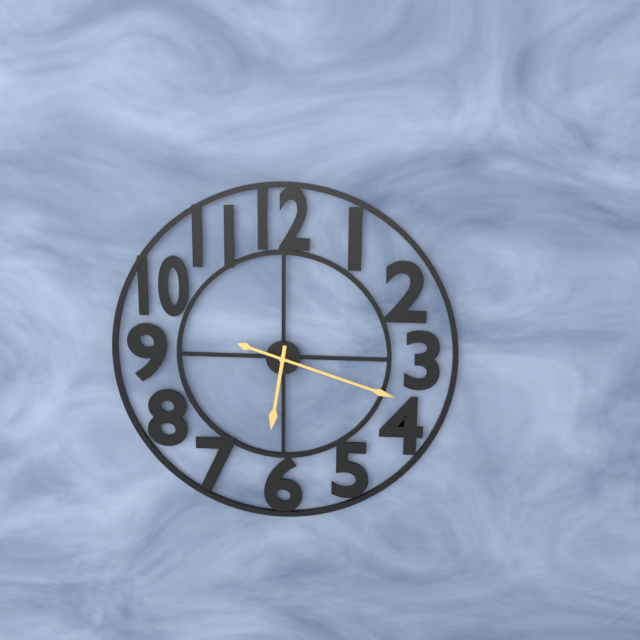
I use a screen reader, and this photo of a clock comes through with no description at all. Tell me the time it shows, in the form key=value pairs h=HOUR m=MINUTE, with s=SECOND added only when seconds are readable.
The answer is h=6 m=18
